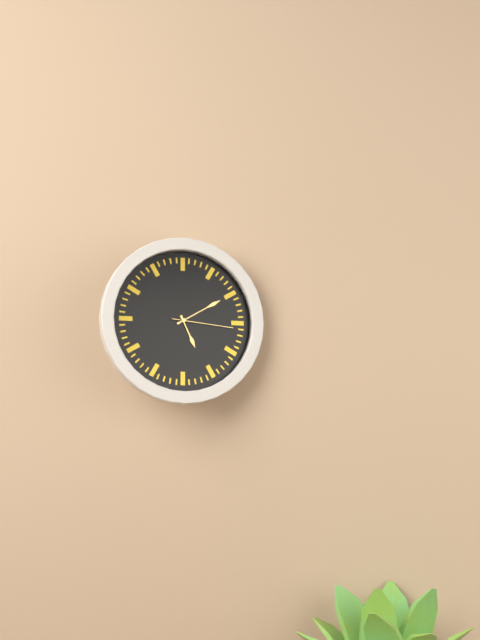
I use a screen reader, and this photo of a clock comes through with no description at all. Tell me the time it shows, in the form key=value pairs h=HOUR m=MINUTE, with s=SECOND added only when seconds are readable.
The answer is h=5 m=10 s=16
